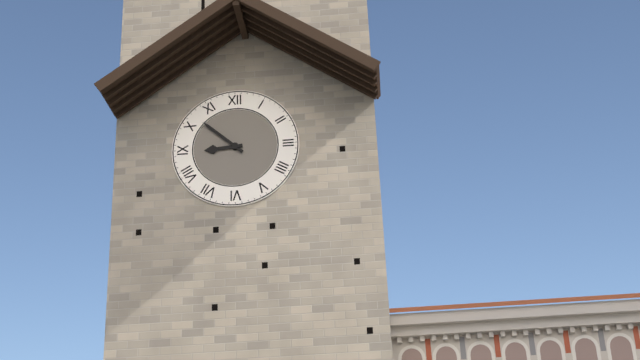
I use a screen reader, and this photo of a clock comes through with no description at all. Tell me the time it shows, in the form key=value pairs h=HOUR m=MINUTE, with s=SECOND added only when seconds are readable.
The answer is h=8 m=52
